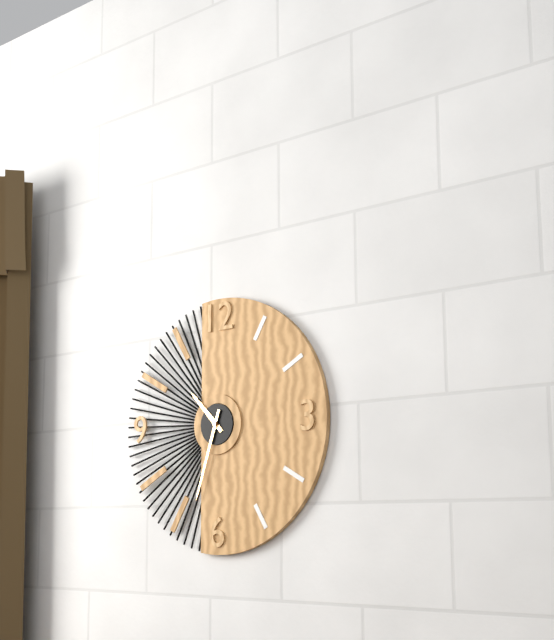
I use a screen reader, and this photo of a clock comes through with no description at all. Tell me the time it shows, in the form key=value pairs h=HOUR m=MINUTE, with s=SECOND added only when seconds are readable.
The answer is h=10 m=33
